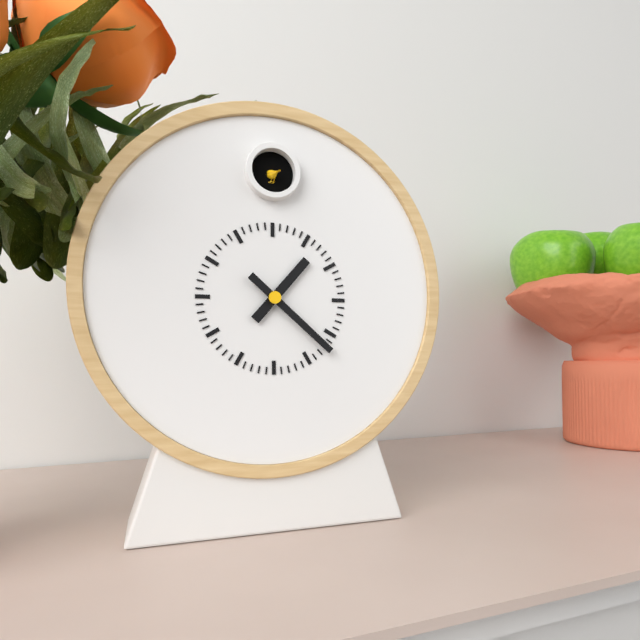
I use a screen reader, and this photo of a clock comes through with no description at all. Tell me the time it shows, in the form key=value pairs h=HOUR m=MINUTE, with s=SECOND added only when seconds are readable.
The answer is h=1 m=22
